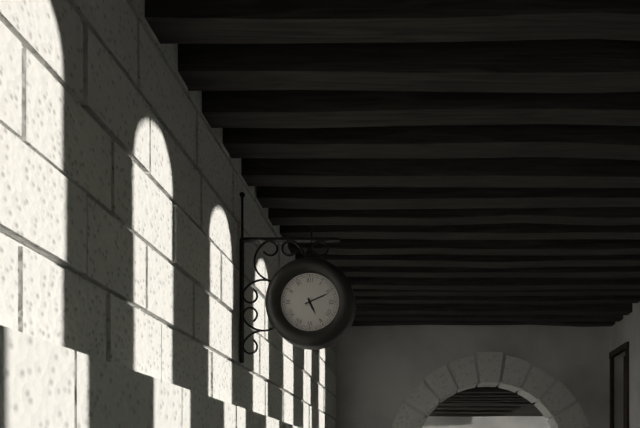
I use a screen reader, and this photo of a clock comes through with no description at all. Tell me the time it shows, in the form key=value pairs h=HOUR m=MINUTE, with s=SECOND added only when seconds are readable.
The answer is h=5 m=11
